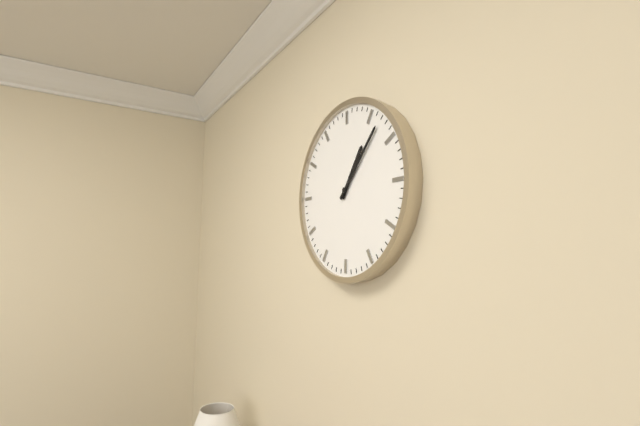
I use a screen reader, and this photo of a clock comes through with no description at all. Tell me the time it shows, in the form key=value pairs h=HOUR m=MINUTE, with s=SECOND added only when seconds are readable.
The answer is h=1 m=7
